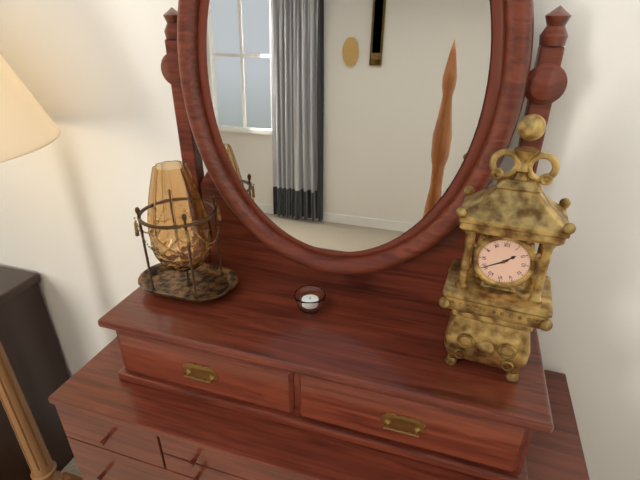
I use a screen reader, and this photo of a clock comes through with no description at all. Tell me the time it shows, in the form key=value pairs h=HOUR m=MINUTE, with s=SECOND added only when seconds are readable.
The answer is h=1 m=40
